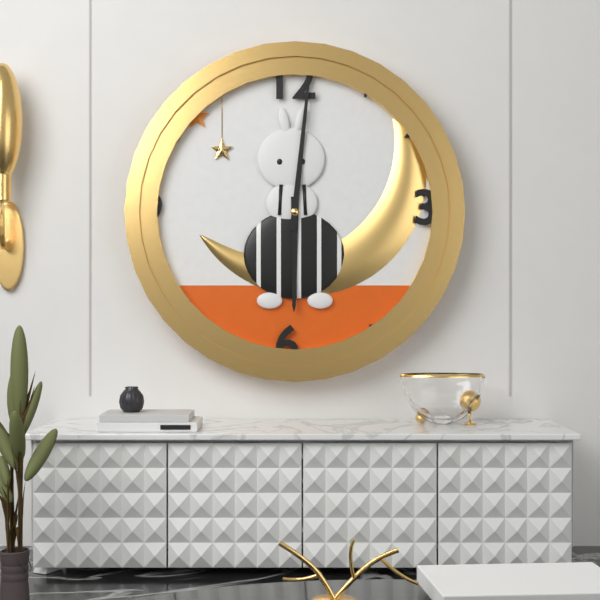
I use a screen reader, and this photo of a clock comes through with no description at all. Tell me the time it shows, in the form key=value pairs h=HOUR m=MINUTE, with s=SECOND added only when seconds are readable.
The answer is h=6 m=1
